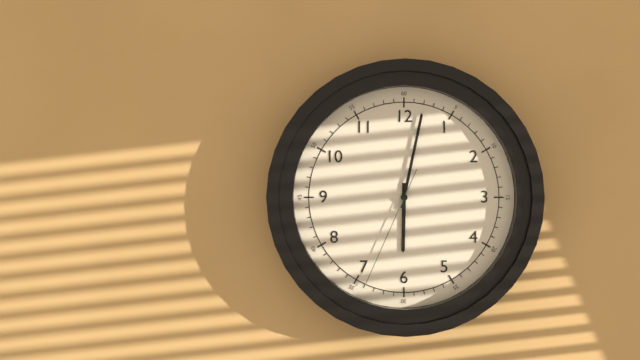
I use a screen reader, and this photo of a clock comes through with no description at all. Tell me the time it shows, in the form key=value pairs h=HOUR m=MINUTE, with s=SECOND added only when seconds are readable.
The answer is h=6 m=2 s=34
